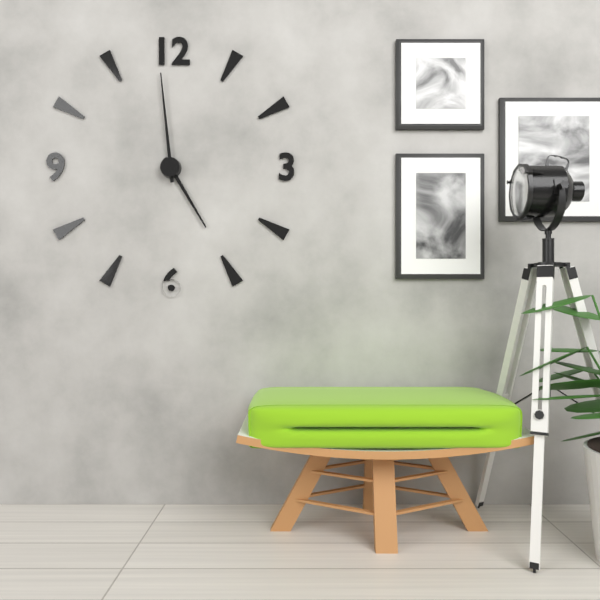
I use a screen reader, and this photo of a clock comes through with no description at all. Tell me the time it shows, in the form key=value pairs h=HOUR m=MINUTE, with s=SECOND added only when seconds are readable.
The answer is h=4 m=59
